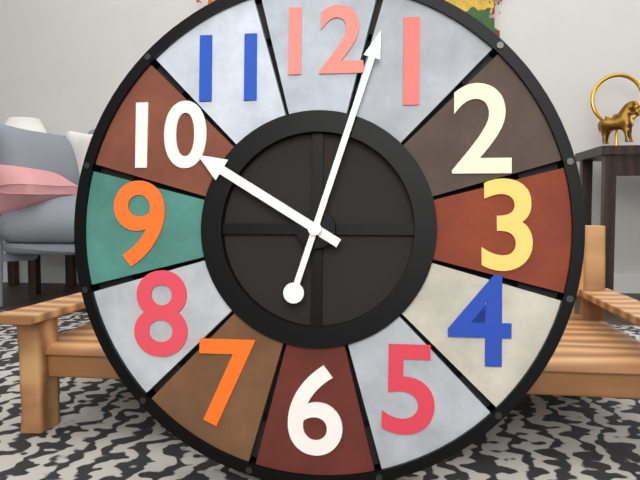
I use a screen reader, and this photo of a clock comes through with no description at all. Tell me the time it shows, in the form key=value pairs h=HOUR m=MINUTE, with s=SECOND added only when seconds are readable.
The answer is h=10 m=3
